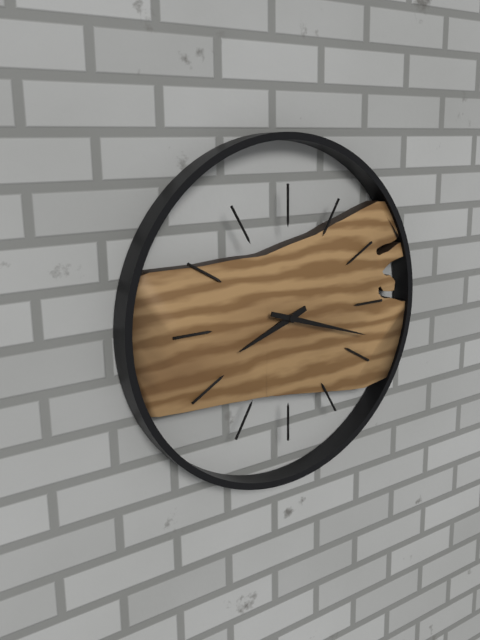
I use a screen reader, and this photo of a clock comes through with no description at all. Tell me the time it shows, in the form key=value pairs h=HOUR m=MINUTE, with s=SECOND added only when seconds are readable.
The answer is h=8 m=18
